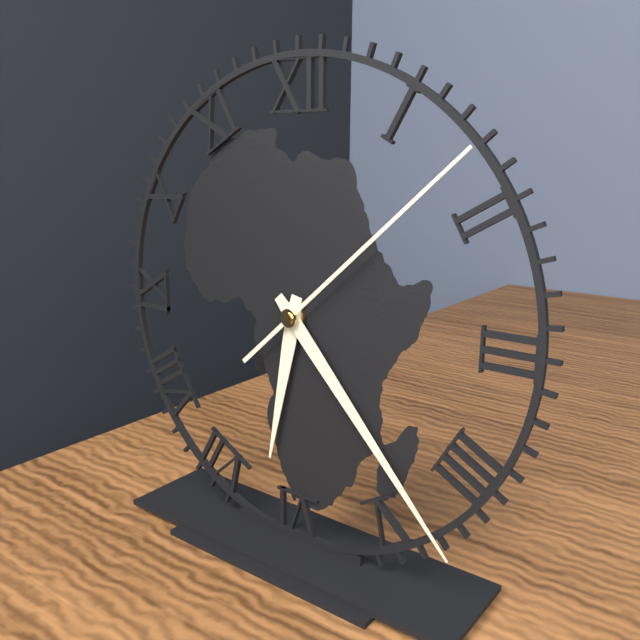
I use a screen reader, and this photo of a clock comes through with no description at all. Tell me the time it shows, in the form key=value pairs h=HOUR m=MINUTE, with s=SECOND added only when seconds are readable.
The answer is h=6 m=23 s=8
